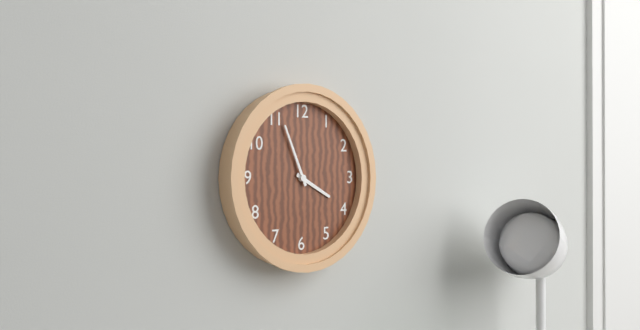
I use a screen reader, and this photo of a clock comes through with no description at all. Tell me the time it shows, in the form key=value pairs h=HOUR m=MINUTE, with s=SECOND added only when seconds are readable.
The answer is h=3 m=56
